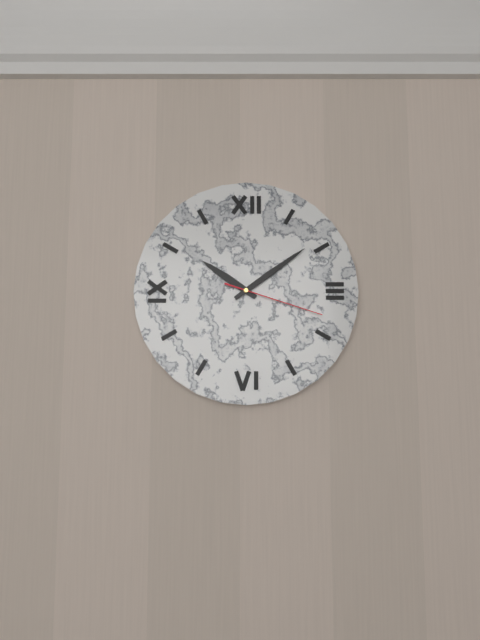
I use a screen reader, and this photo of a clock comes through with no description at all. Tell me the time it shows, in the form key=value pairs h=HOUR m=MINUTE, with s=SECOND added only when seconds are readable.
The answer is h=10 m=9 s=18
